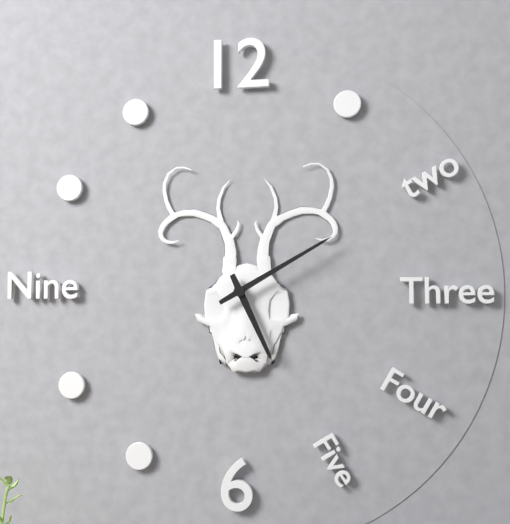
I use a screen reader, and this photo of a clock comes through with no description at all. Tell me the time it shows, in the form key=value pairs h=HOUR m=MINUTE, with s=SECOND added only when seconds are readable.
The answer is h=5 m=10
